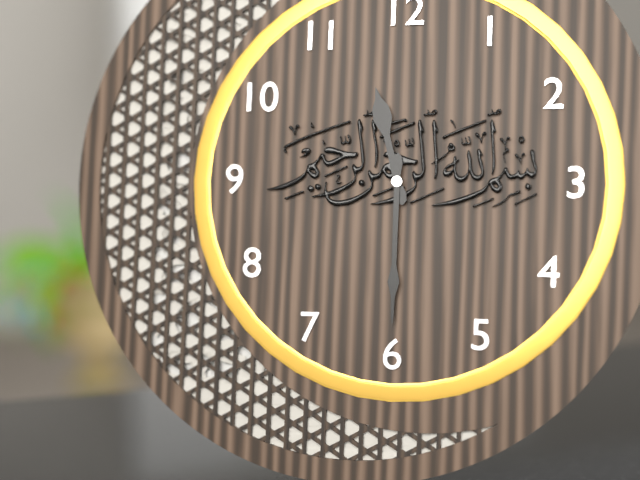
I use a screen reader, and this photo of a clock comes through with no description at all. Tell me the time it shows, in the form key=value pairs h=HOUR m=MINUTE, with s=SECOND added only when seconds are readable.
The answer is h=11 m=30
